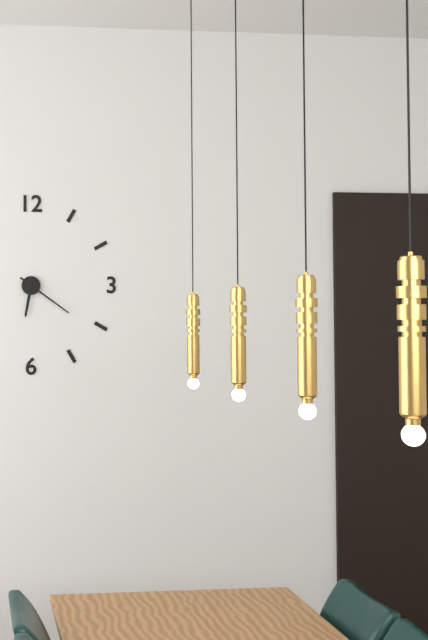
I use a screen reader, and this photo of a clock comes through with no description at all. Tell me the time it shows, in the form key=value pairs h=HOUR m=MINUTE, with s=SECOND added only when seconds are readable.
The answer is h=6 m=21
